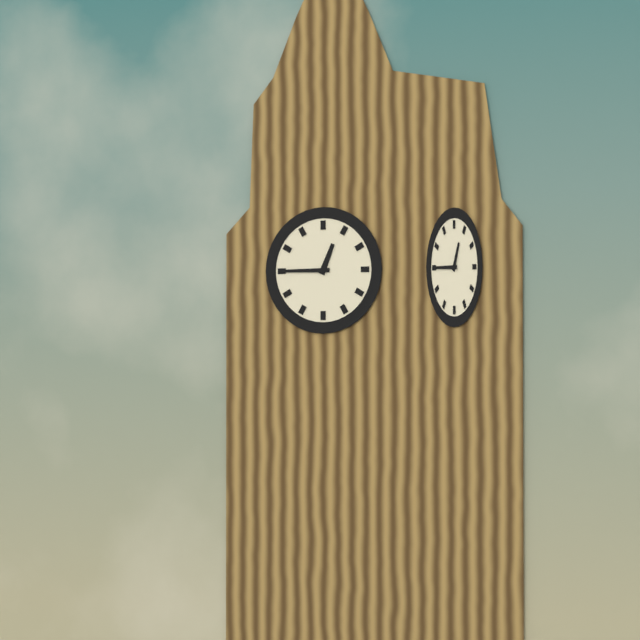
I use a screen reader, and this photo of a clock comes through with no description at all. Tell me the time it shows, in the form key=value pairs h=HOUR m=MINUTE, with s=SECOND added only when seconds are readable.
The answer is h=12 m=45
